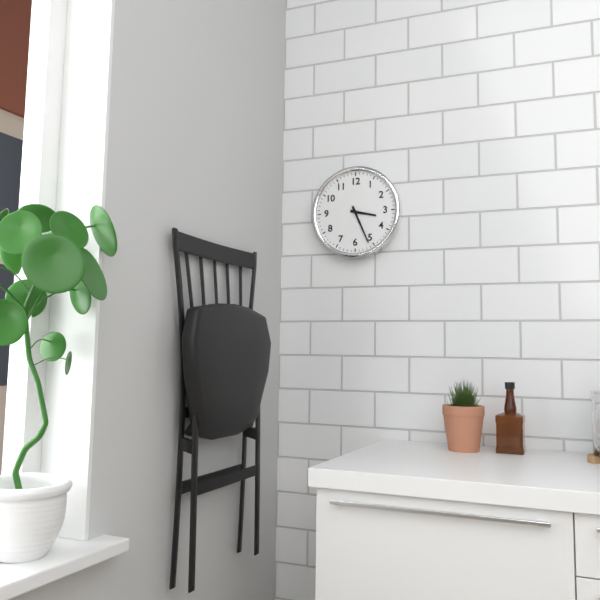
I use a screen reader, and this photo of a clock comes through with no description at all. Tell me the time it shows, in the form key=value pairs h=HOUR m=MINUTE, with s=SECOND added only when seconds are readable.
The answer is h=3 m=26
